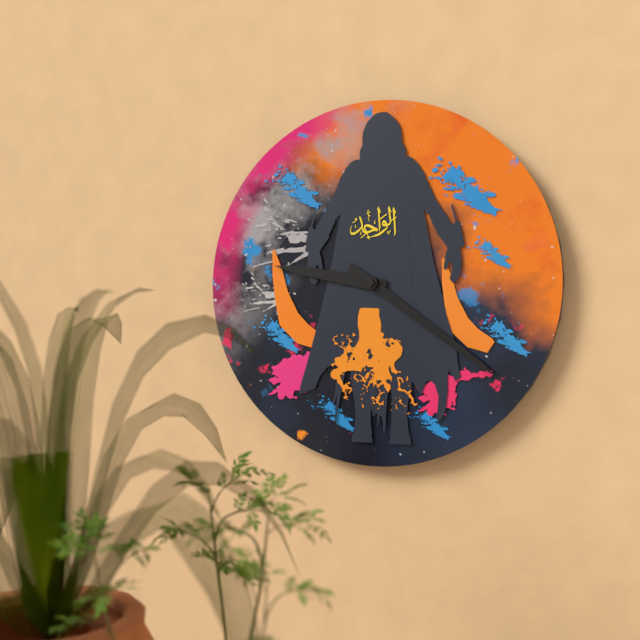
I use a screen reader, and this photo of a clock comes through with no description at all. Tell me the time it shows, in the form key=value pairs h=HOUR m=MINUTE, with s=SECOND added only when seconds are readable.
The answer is h=9 m=21
